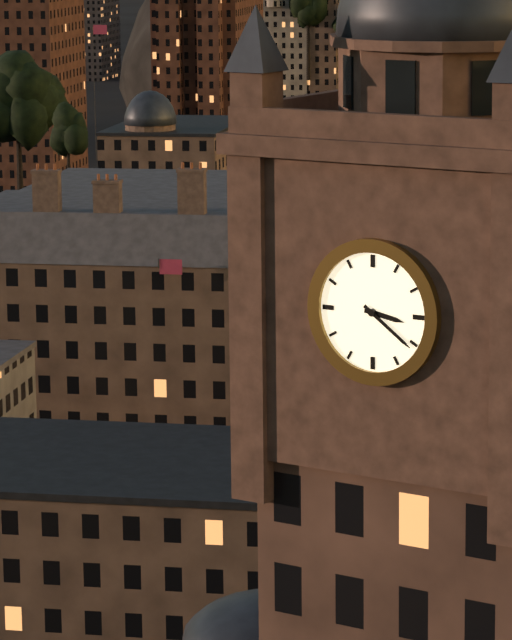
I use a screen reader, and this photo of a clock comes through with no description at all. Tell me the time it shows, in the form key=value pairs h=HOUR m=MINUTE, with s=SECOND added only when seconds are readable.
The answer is h=3 m=21
